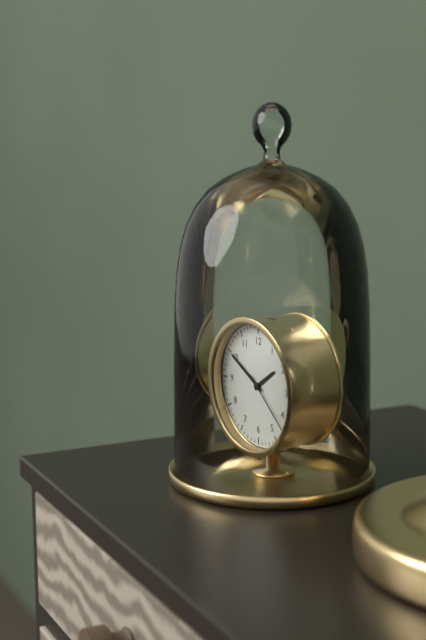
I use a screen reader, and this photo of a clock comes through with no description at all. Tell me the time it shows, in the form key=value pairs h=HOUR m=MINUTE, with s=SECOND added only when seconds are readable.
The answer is h=1 m=50 s=22
